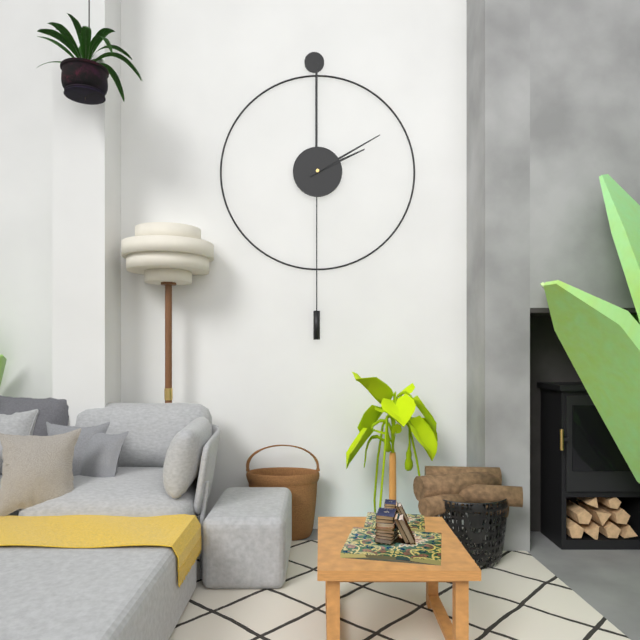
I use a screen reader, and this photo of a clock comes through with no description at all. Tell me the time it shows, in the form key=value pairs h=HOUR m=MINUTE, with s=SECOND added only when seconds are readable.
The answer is h=2 m=10
